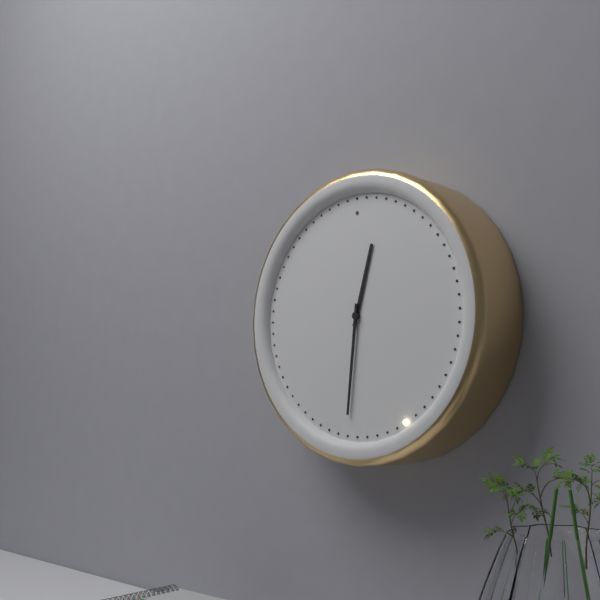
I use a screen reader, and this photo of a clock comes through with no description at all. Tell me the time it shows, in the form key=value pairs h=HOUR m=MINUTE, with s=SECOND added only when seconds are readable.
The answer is h=12 m=31
